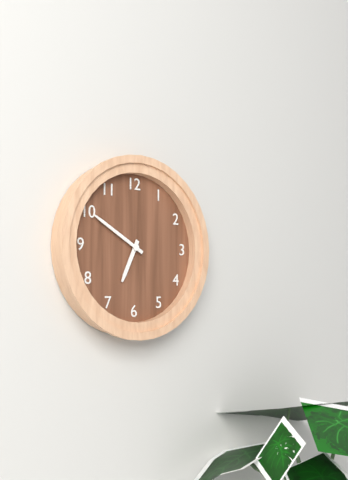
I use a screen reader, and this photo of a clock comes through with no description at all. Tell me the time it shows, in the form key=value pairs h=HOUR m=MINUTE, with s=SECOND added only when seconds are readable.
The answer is h=6 m=50
